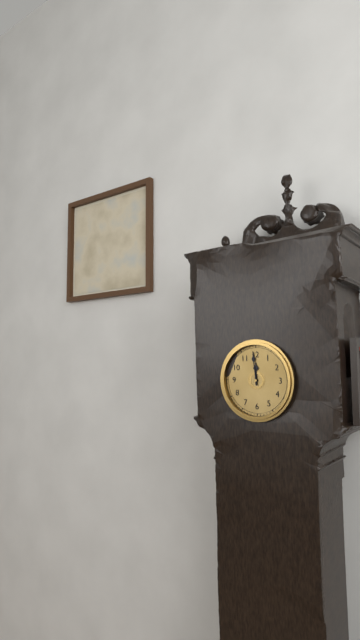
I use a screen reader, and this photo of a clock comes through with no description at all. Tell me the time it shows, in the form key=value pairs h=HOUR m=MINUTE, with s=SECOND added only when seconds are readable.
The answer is h=11 m=59
